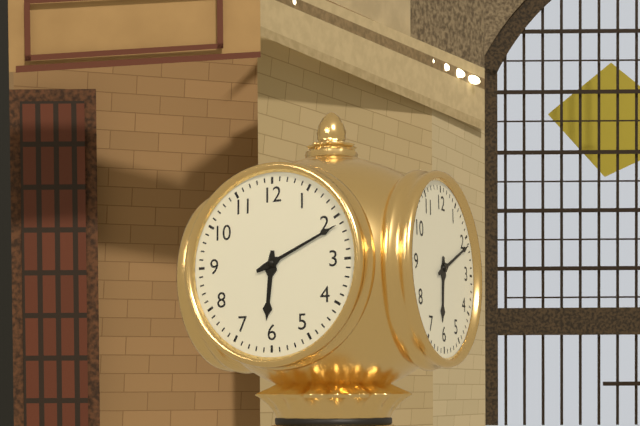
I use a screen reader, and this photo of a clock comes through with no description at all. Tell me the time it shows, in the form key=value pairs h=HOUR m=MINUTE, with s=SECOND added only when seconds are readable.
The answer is h=6 m=11
